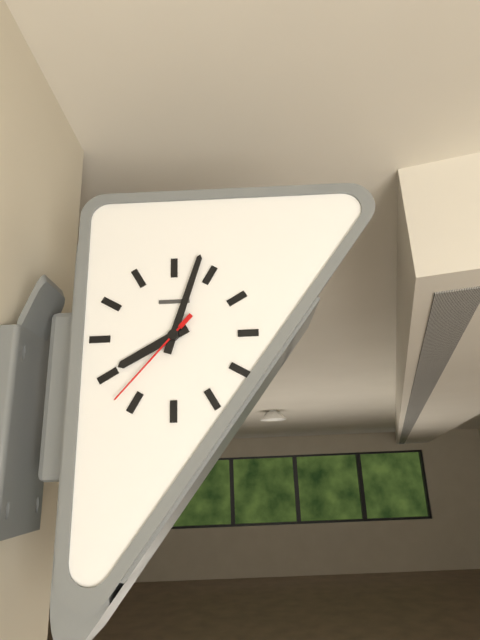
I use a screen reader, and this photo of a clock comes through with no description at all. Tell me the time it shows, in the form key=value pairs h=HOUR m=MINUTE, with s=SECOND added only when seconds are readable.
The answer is h=8 m=3 s=37
